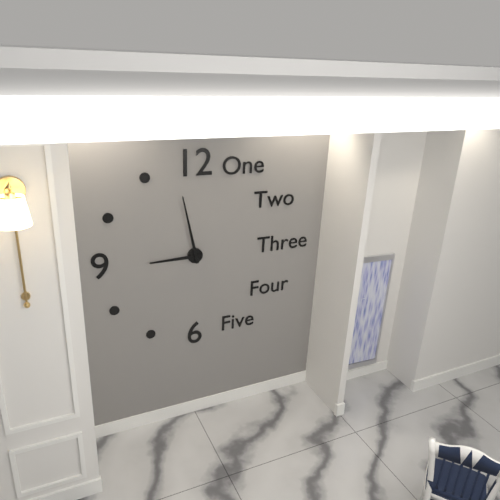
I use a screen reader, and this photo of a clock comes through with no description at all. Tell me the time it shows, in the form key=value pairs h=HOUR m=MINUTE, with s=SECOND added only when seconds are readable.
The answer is h=8 m=58
